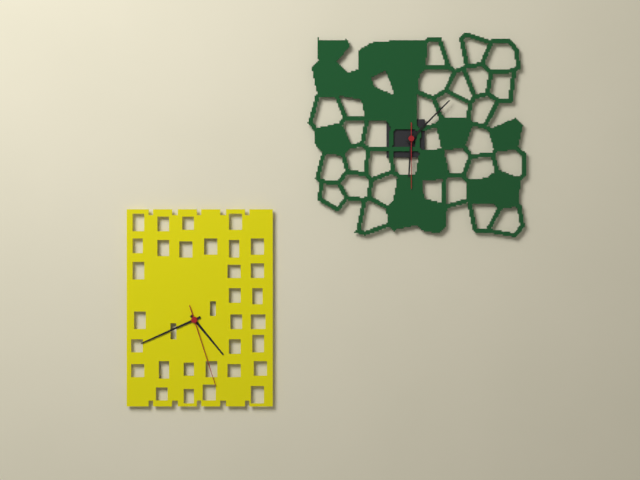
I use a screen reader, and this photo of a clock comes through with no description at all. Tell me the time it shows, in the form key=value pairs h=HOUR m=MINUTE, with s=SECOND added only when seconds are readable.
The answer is h=4 m=41 s=27
